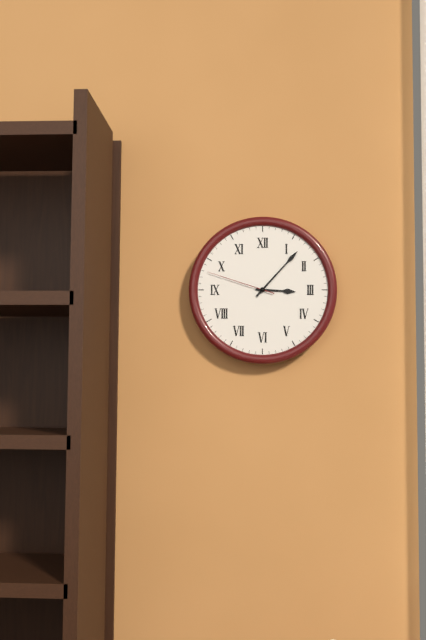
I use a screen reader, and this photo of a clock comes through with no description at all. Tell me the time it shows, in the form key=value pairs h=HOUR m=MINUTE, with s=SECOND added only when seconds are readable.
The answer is h=3 m=7 s=48
